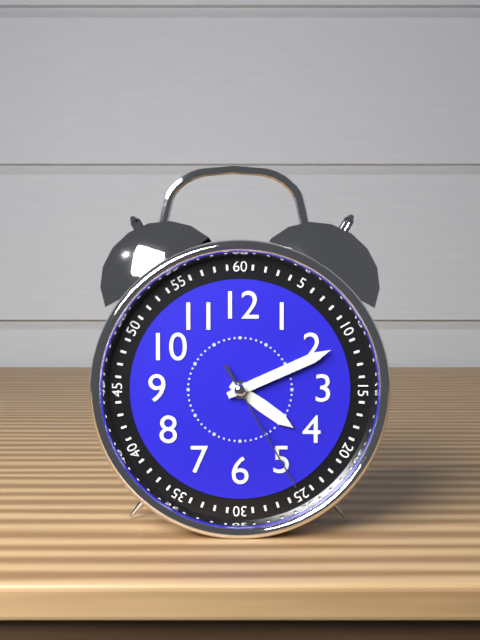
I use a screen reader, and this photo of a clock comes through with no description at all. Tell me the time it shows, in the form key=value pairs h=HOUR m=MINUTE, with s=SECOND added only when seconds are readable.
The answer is h=4 m=11 s=25
